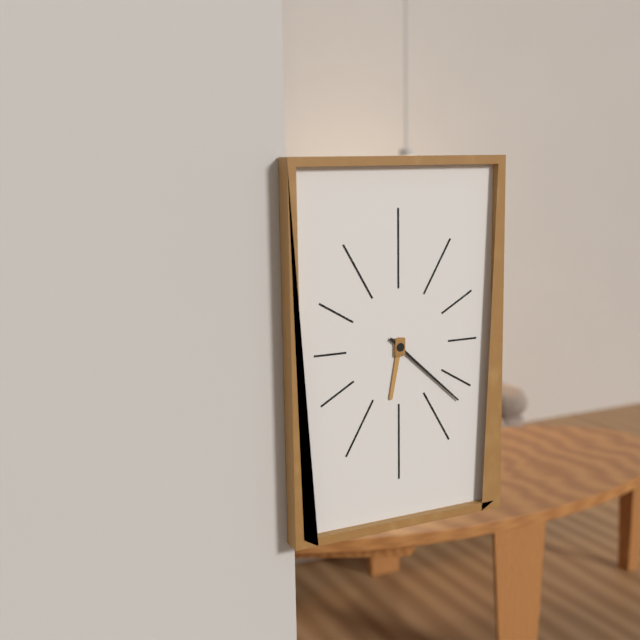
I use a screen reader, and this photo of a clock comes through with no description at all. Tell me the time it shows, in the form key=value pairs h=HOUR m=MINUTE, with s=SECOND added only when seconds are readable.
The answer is h=6 m=22
